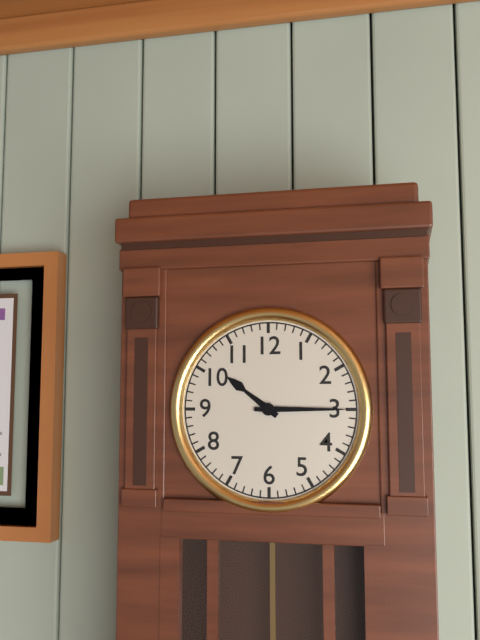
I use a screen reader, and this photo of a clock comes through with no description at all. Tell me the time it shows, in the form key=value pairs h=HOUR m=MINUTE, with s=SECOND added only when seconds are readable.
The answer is h=10 m=15
